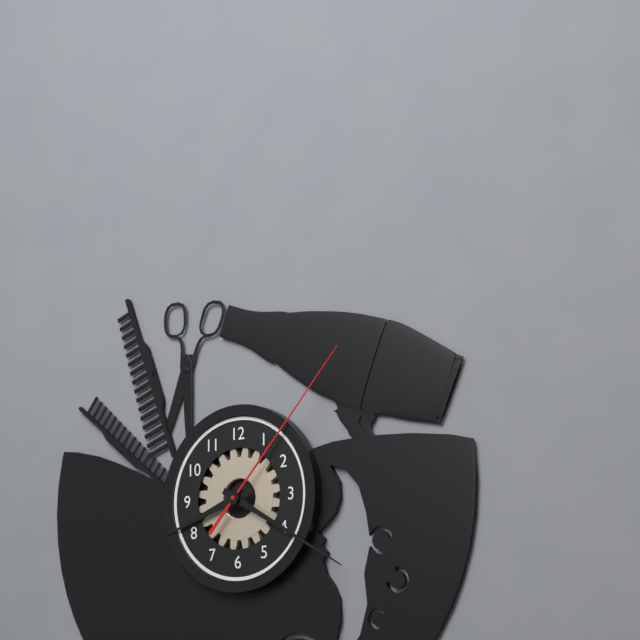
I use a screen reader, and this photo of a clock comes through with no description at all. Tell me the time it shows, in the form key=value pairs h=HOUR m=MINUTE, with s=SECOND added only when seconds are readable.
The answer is h=8 m=20 s=7
